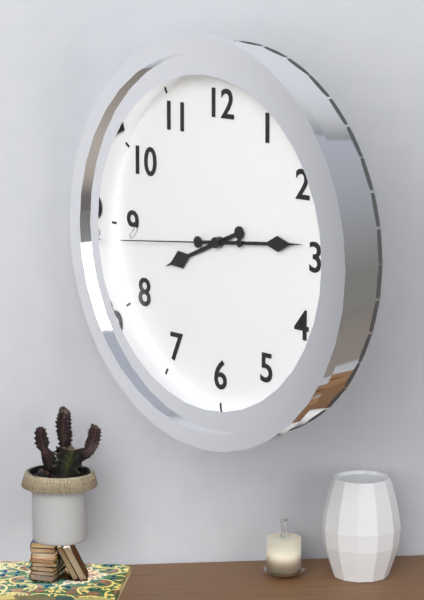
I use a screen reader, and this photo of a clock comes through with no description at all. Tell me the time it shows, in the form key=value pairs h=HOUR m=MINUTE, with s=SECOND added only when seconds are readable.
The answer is h=8 m=14 s=44
